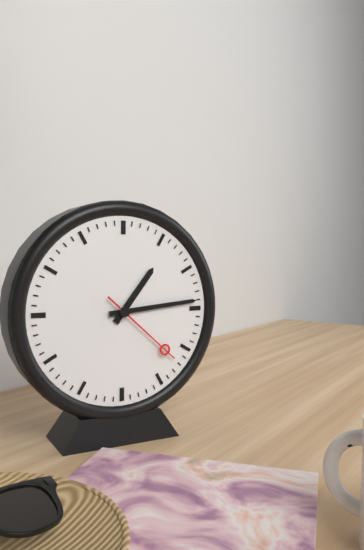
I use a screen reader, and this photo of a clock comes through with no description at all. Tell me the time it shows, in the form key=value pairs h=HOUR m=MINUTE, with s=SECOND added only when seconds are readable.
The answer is h=1 m=14 s=22
